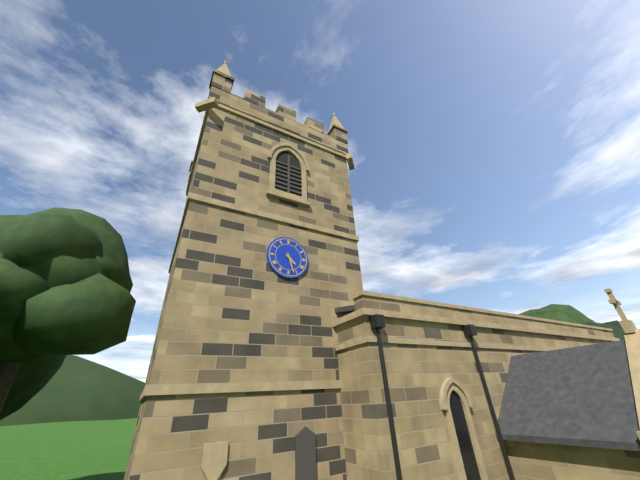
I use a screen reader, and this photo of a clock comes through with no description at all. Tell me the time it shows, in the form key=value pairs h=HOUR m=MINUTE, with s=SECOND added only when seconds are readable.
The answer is h=4 m=27
